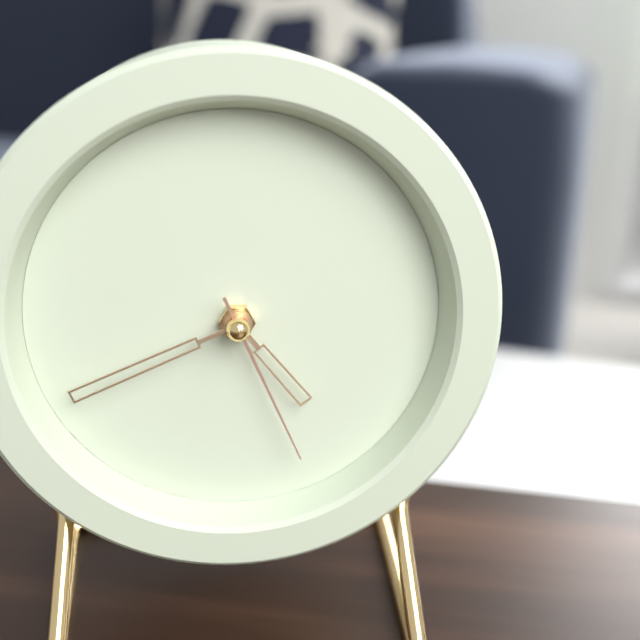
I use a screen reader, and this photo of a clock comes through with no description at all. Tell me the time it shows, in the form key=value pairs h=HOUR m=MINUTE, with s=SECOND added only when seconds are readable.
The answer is h=4 m=41 s=26
